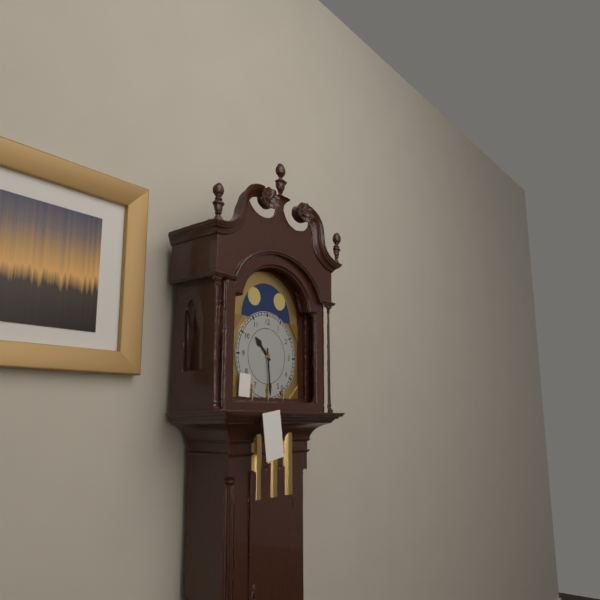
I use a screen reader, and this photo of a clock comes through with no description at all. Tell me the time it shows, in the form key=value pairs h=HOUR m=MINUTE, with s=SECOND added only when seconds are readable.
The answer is h=10 m=29
